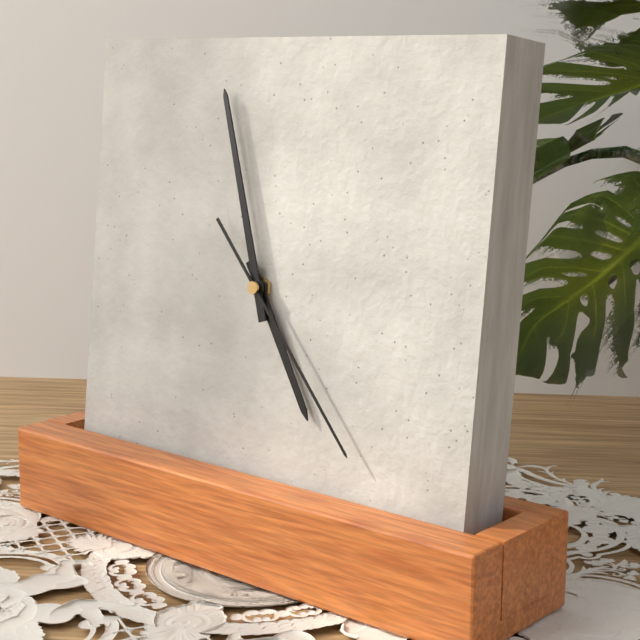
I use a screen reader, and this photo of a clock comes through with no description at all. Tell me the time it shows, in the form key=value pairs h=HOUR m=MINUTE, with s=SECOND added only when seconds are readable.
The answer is h=4 m=57 s=23
